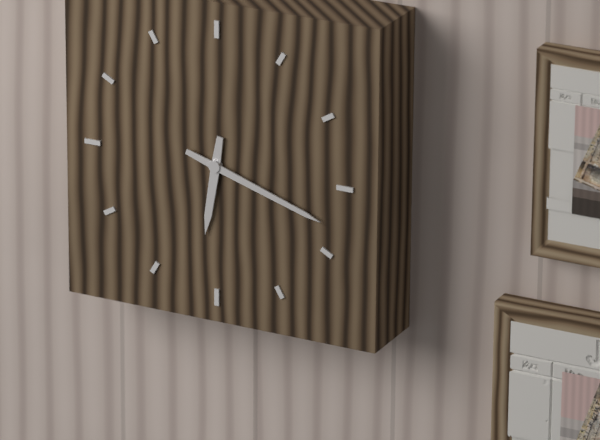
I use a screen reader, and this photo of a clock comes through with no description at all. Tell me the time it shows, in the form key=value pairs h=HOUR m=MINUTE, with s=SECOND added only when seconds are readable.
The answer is h=6 m=18
